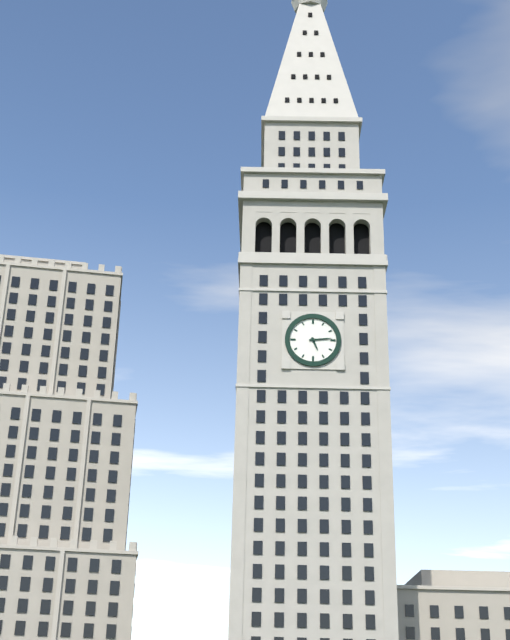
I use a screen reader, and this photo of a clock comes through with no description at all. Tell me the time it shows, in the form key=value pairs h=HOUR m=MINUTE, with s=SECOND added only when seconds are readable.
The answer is h=5 m=14
